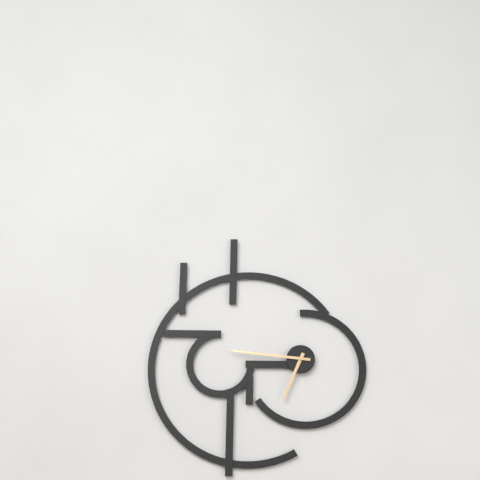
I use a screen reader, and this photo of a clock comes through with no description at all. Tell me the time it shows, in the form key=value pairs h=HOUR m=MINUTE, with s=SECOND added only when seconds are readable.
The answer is h=6 m=46
